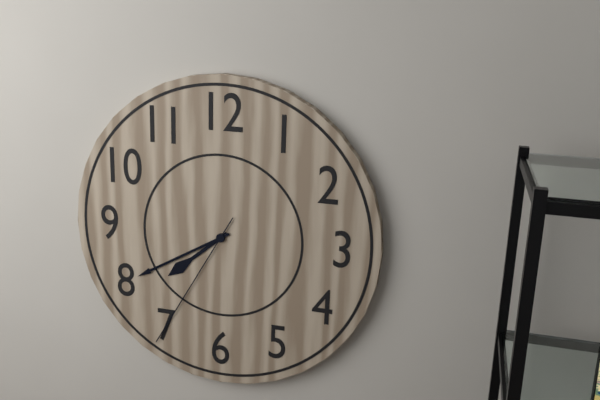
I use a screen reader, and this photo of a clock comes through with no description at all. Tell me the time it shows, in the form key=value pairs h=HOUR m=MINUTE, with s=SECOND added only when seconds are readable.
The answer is h=7 m=40 s=35
